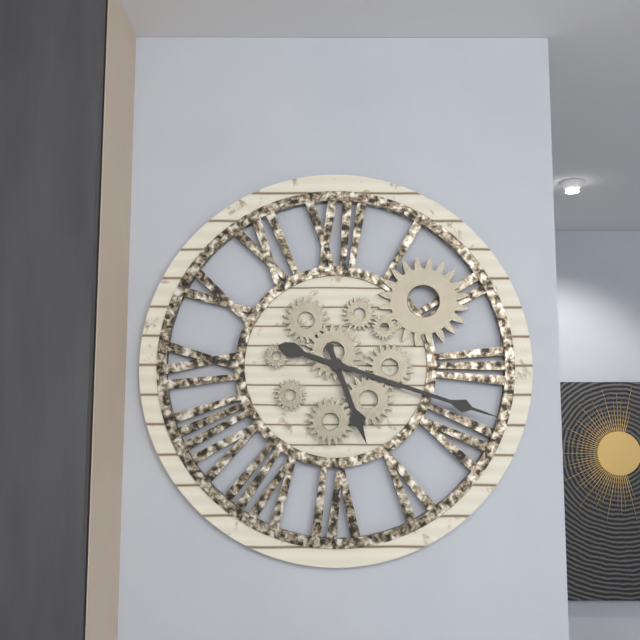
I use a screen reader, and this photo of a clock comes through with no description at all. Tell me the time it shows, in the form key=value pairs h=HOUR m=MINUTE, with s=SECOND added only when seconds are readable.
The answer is h=5 m=18
